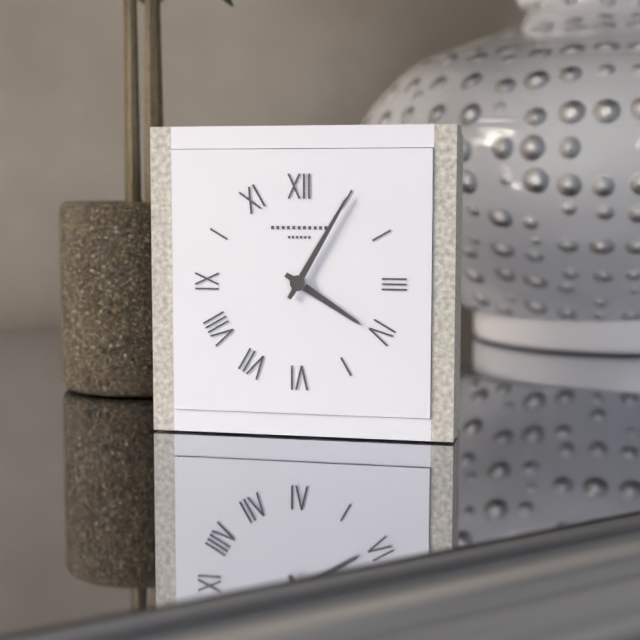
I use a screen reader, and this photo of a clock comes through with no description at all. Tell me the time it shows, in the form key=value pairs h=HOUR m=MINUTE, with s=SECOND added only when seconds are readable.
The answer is h=4 m=5
